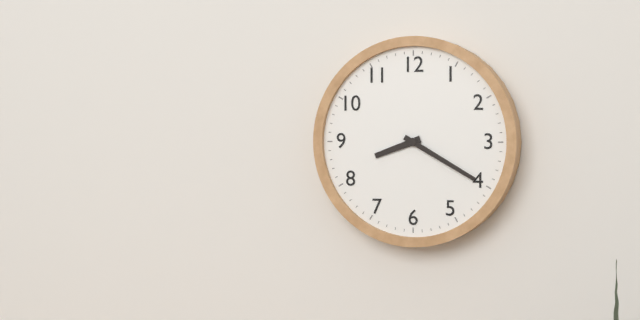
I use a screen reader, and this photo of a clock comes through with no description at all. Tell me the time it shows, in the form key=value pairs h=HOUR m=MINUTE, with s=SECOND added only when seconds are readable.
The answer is h=8 m=20
